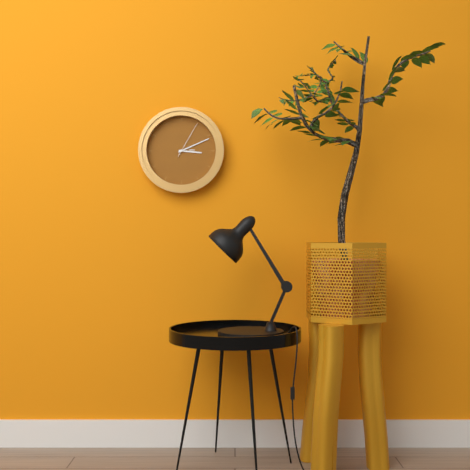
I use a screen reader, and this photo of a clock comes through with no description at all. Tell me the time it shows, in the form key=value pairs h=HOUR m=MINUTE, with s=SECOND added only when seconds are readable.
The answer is h=3 m=11
